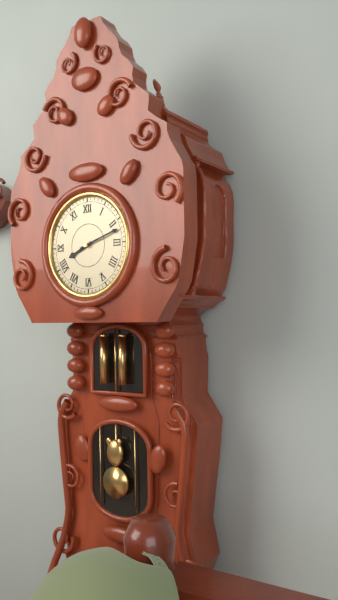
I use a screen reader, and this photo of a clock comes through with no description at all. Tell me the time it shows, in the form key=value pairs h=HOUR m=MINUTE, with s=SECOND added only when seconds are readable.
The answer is h=8 m=12
